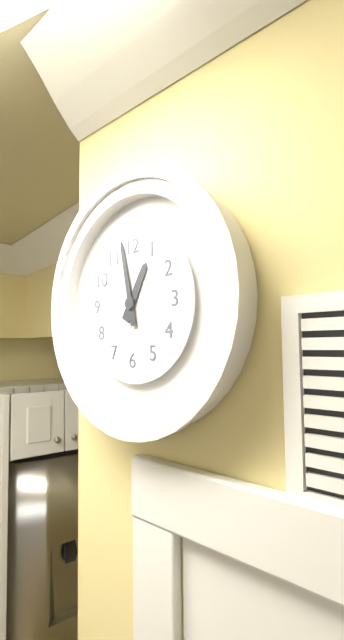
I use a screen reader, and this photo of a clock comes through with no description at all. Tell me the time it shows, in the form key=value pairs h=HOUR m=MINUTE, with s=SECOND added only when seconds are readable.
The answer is h=12 m=58
